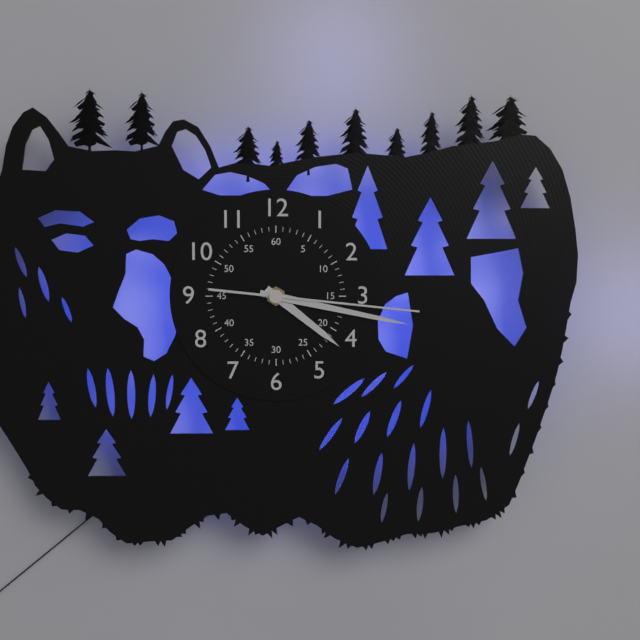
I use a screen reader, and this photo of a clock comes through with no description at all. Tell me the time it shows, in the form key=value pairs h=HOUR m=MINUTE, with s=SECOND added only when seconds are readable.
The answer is h=4 m=17 s=16
